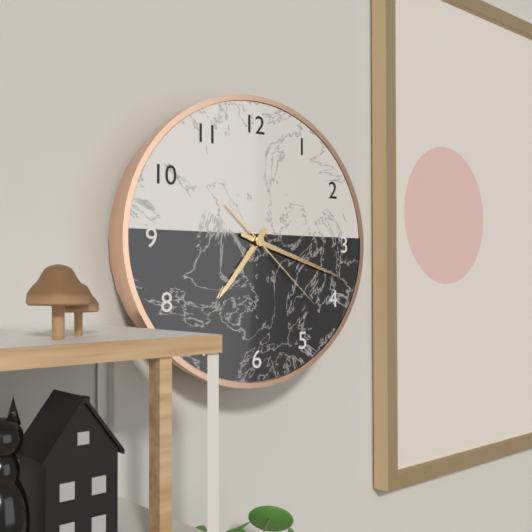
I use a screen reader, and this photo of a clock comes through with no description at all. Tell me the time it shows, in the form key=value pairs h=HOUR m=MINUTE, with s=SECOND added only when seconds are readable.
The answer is h=7 m=18 s=22
